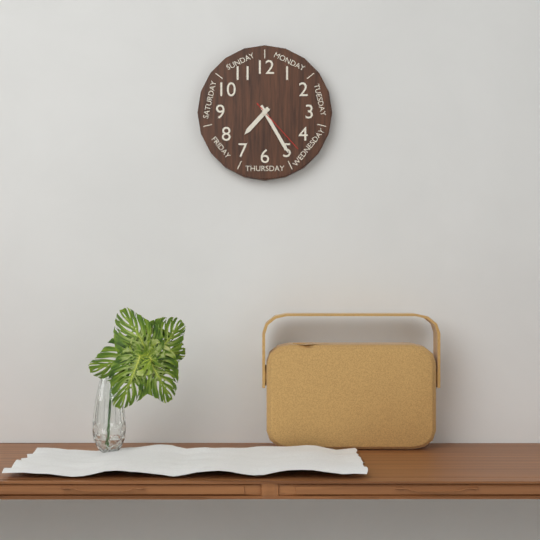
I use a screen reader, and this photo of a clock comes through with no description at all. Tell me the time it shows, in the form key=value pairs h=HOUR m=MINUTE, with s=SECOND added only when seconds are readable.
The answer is h=7 m=25 s=23
